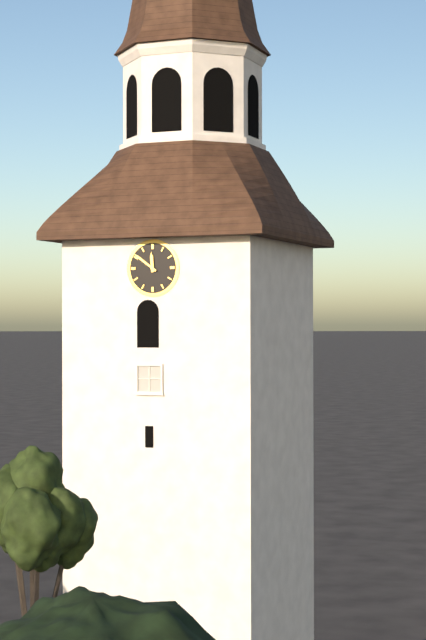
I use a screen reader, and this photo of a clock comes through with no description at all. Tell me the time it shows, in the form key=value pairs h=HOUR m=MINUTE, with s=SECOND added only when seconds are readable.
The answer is h=11 m=51
